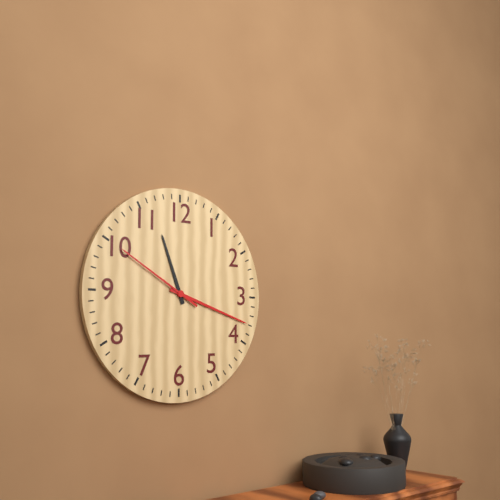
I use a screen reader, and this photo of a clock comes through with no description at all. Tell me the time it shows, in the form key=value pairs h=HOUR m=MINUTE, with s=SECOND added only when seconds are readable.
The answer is h=11 m=18 s=50
